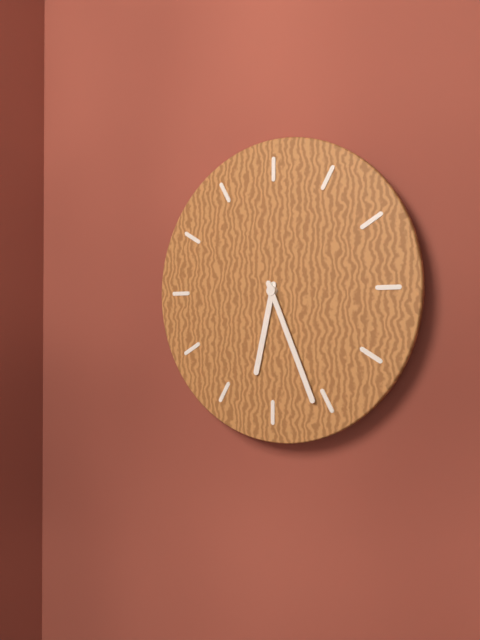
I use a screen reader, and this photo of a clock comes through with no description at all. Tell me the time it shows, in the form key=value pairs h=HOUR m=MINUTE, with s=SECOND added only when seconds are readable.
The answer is h=6 m=26
